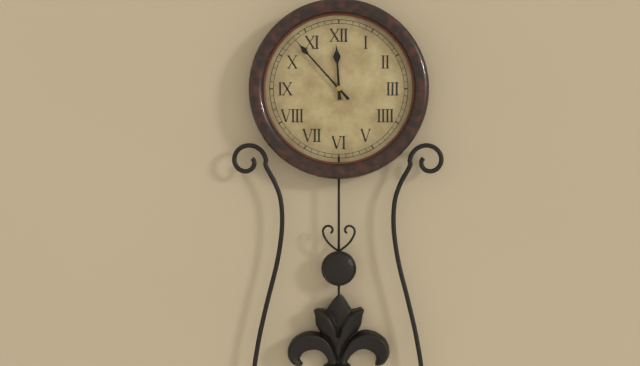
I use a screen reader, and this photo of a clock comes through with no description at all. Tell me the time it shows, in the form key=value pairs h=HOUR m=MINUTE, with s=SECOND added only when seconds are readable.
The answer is h=11 m=53
